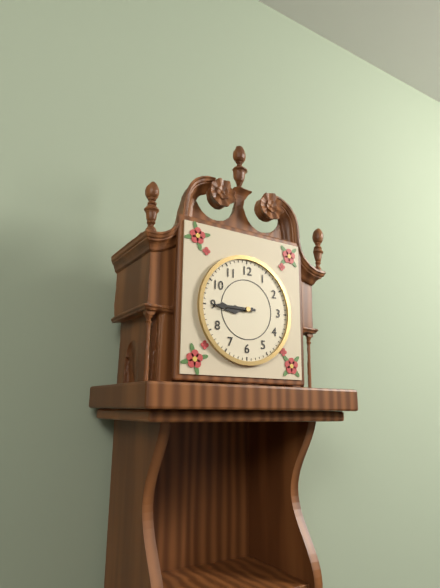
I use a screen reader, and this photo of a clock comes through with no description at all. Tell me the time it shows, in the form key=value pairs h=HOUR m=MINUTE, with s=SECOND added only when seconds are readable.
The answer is h=8 m=45
